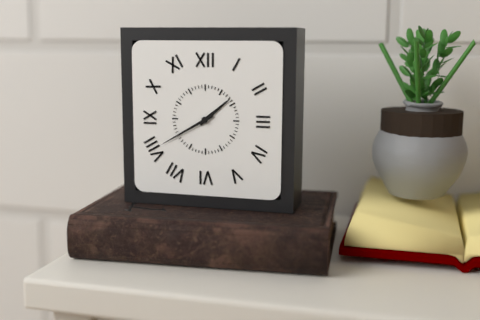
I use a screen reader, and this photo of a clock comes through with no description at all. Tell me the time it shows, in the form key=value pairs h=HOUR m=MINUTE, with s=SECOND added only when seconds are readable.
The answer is h=1 m=40
